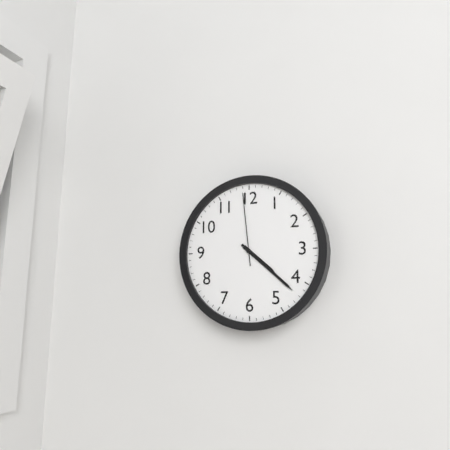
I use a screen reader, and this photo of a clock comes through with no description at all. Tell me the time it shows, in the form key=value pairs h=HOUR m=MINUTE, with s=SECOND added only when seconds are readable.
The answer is h=4 m=22 s=59
